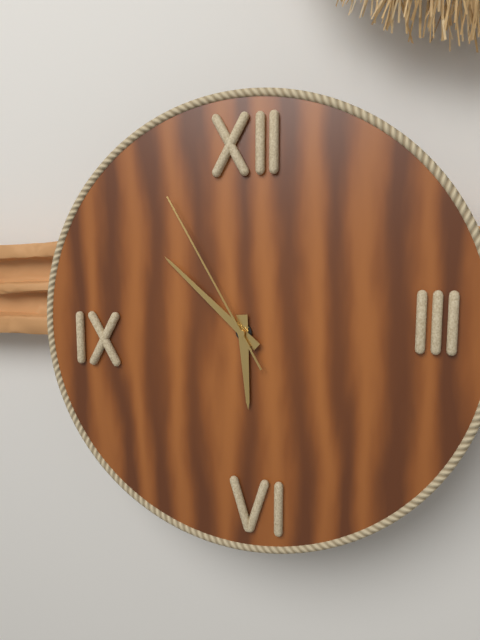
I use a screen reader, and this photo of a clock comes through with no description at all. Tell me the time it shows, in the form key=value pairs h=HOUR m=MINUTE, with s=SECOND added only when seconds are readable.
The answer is h=5 m=52 s=55
